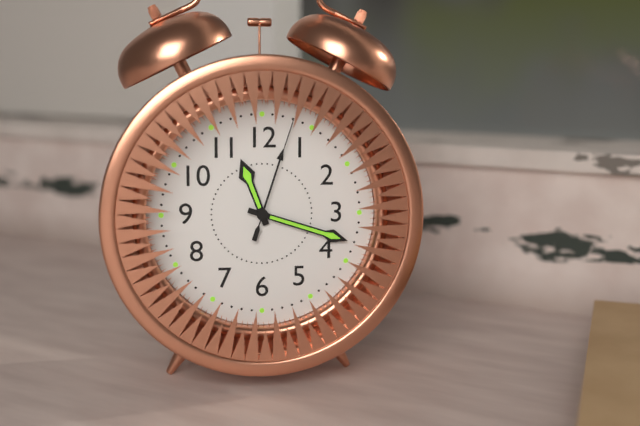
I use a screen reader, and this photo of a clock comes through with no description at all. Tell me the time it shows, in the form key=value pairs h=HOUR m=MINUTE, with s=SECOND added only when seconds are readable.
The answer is h=11 m=18 s=3
